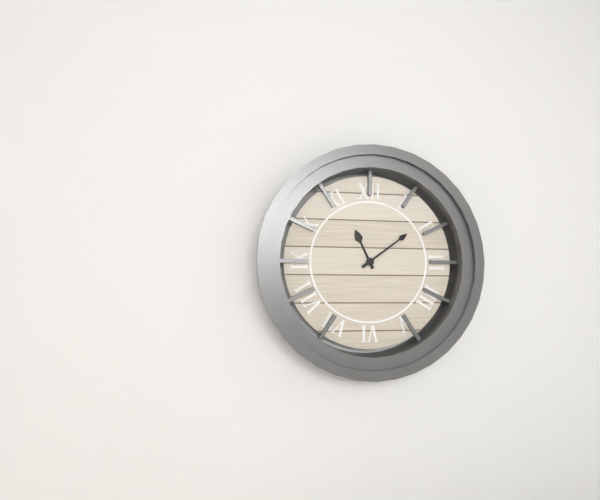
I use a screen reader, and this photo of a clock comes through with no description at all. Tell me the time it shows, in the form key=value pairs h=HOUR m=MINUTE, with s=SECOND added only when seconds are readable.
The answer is h=11 m=9
